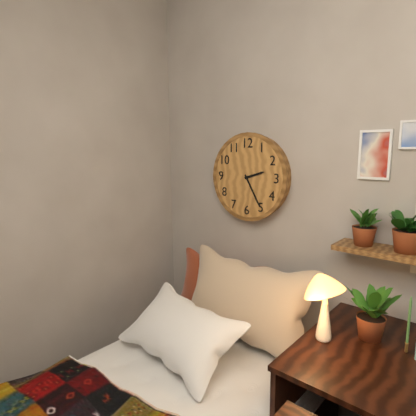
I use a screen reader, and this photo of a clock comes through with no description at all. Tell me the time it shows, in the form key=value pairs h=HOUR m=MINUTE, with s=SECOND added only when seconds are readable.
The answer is h=2 m=25
